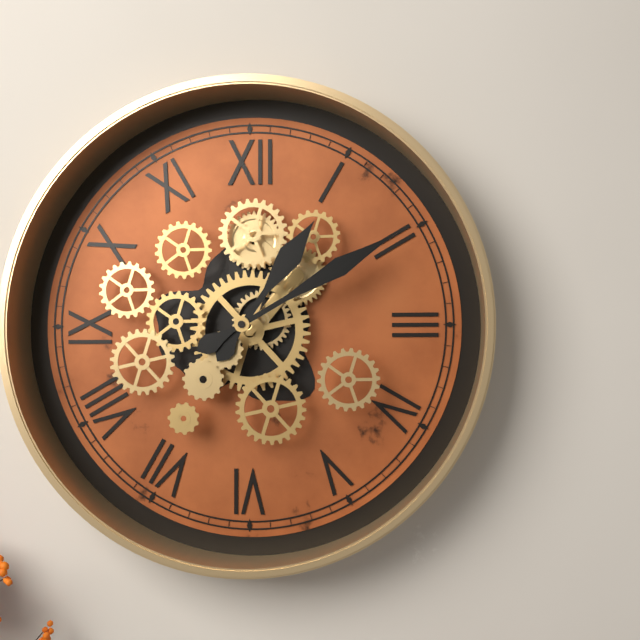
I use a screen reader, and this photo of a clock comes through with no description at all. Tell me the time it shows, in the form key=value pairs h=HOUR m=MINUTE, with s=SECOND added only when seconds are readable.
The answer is h=1 m=10
